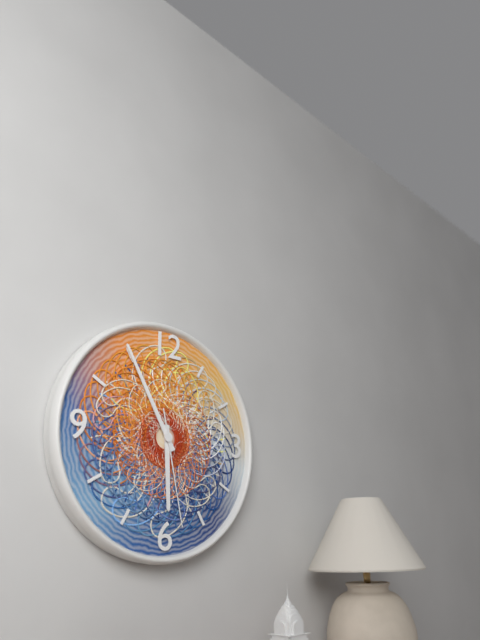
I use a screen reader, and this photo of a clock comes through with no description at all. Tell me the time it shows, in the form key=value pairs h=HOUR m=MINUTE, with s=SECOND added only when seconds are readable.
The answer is h=5 m=55 s=28
